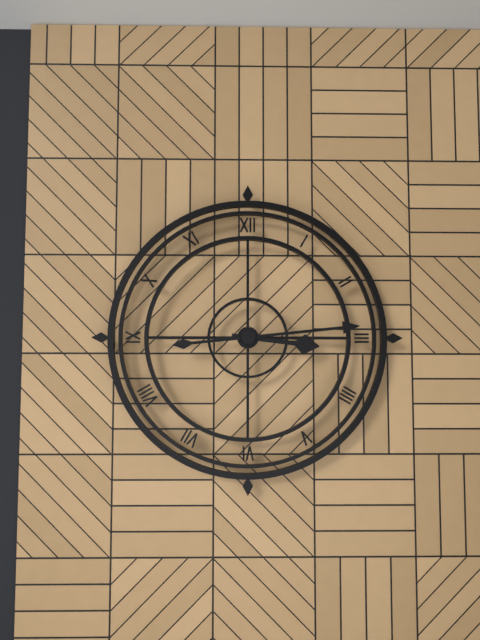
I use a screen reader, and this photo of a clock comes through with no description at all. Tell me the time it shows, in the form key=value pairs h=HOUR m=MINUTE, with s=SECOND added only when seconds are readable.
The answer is h=3 m=14
